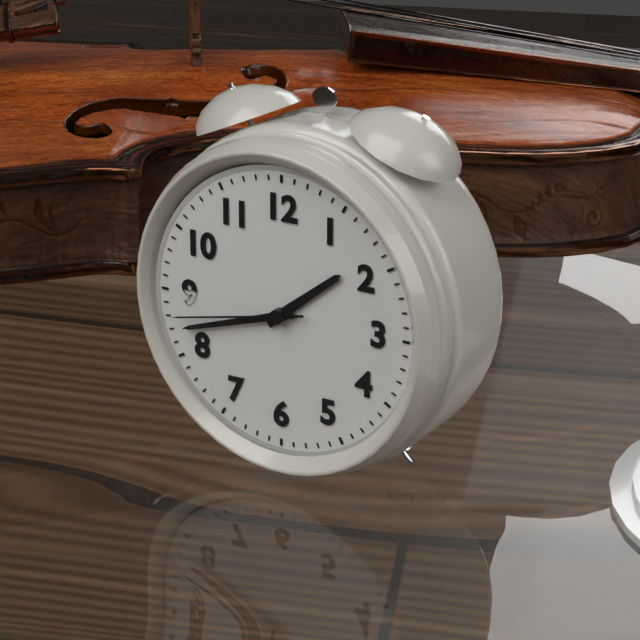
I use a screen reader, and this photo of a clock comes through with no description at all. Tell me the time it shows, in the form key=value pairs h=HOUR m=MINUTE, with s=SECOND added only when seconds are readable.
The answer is h=1 m=42 s=43
